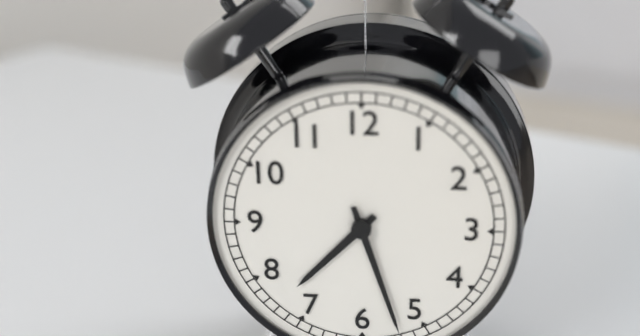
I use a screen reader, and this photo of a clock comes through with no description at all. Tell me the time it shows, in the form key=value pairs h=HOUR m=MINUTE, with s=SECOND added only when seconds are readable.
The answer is h=7 m=27
